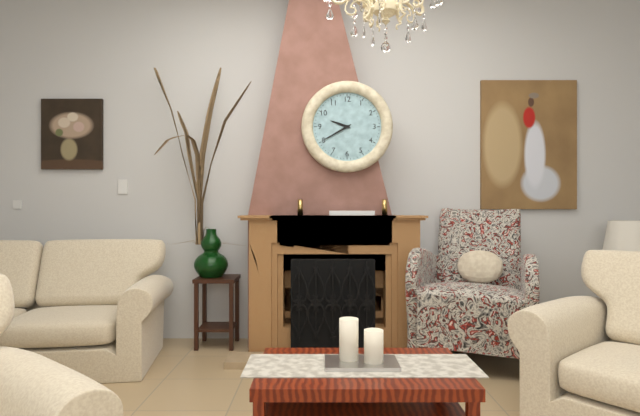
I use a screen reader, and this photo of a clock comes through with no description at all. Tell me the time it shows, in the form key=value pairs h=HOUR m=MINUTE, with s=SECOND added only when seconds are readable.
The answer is h=9 m=40
